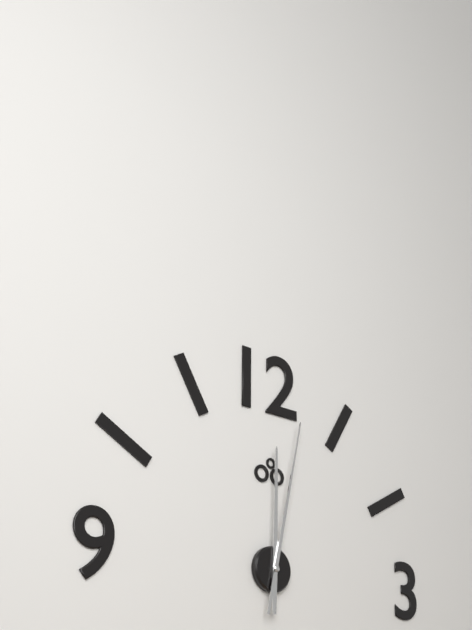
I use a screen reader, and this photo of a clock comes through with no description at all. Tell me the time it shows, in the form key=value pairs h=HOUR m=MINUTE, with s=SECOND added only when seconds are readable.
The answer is h=12 m=2
